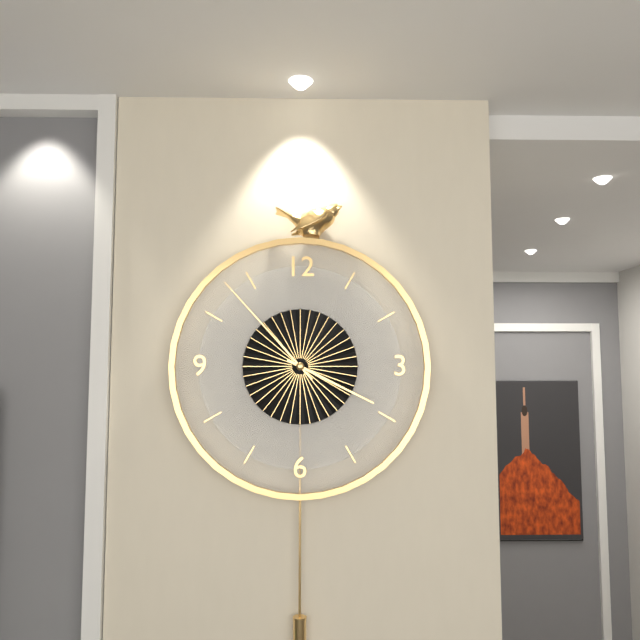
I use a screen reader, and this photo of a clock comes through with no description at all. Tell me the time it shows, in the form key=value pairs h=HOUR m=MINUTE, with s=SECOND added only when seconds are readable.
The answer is h=3 m=53
